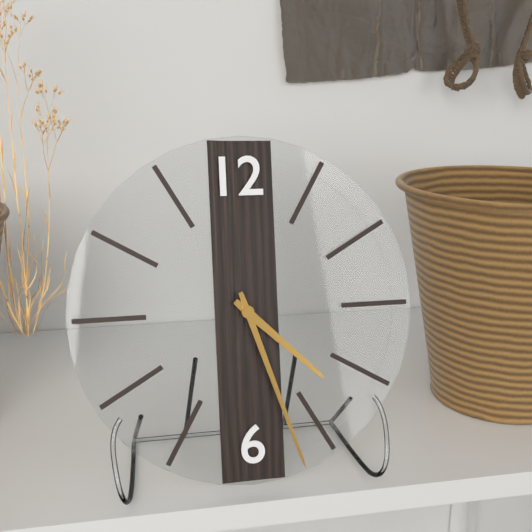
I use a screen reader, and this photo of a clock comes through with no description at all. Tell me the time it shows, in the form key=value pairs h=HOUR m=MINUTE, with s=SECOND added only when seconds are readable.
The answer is h=4 m=27
